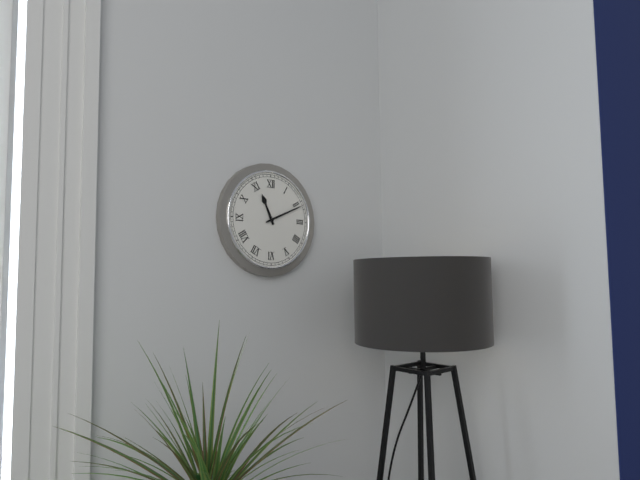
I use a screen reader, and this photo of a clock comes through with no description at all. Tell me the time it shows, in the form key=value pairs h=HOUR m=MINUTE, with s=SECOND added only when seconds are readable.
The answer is h=11 m=11
